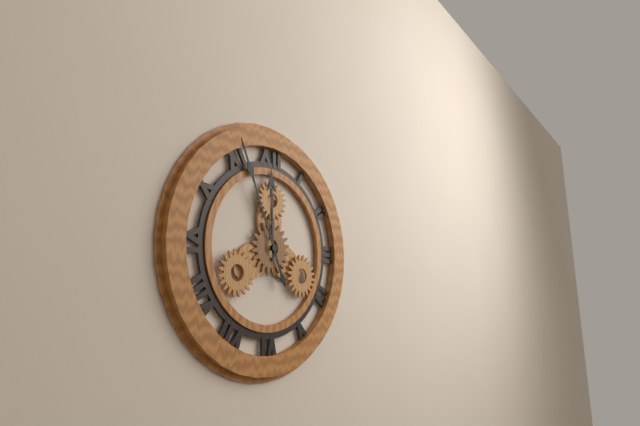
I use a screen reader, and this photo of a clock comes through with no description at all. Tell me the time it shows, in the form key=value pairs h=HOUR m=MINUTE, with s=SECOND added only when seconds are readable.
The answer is h=11 m=56
